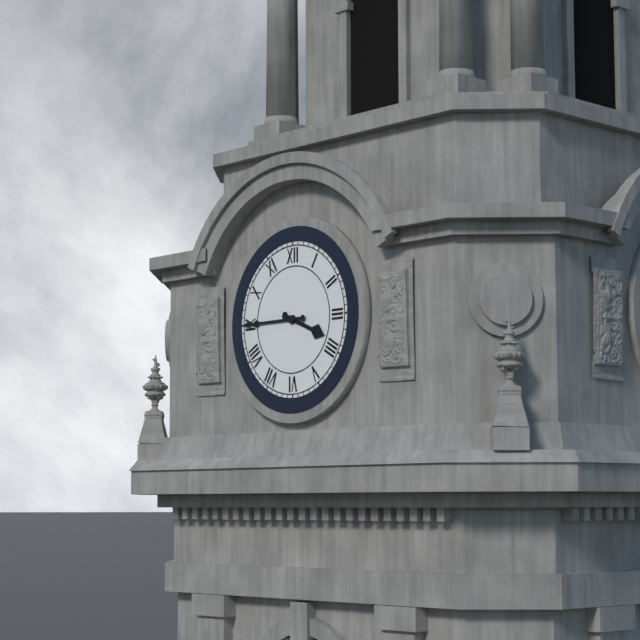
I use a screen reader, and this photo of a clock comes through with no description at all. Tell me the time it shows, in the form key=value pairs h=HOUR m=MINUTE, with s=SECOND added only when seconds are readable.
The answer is h=3 m=45
